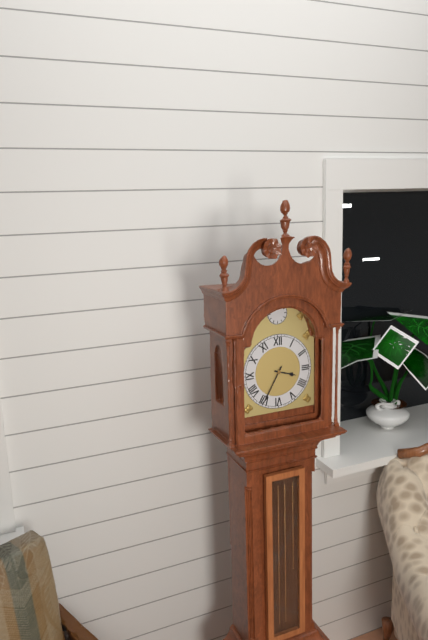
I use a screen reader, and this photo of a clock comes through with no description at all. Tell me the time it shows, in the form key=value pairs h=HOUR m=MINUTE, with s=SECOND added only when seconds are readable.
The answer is h=3 m=35
